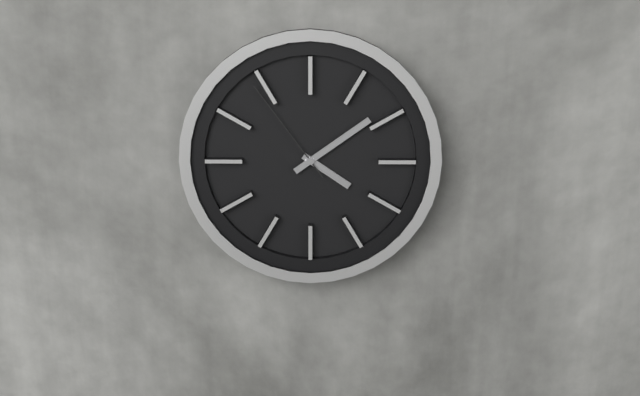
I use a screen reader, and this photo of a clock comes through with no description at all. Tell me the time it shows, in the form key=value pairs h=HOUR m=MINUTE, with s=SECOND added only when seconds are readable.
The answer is h=4 m=9 s=54
